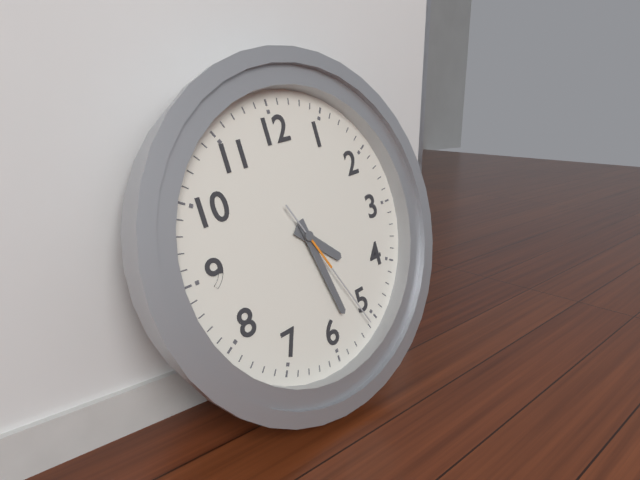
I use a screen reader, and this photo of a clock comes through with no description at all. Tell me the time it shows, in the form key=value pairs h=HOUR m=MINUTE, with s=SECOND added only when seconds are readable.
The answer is h=4 m=28 s=26
